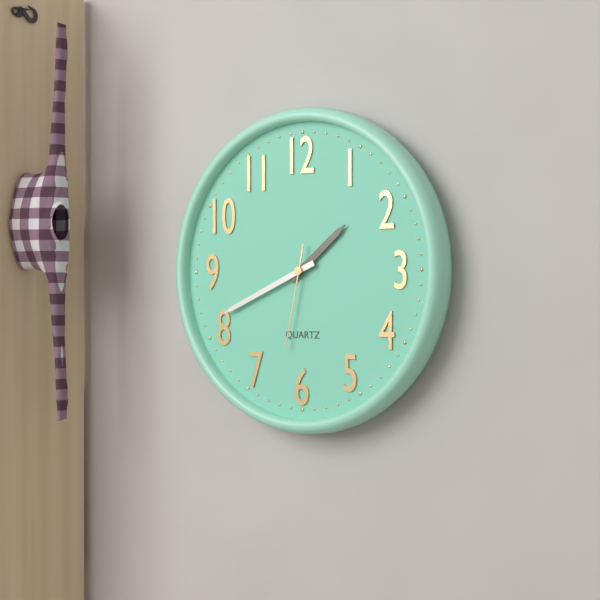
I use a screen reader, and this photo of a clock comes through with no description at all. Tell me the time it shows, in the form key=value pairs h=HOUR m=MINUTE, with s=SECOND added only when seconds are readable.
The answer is h=1 m=41 s=32
